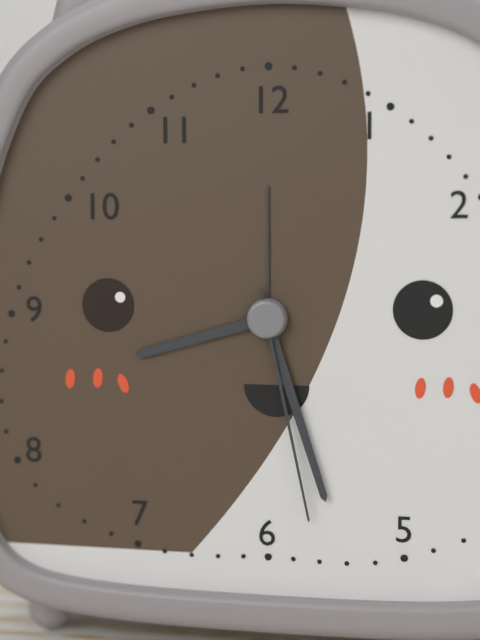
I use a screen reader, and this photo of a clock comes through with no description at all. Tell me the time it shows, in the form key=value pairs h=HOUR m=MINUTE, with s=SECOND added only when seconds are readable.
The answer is h=8 m=27 s=28
